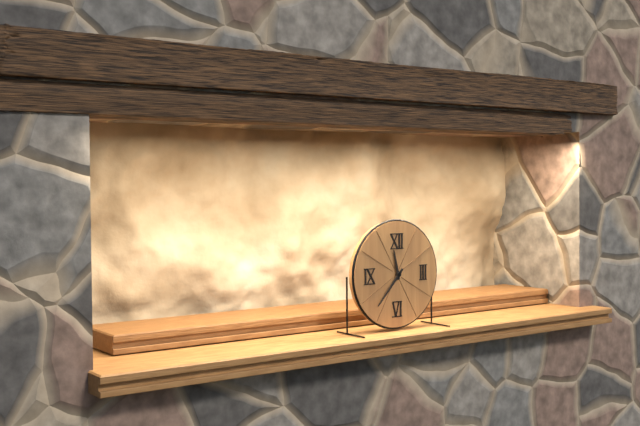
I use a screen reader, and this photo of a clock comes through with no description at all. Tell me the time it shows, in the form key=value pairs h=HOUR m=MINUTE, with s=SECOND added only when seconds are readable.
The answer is h=11 m=37
